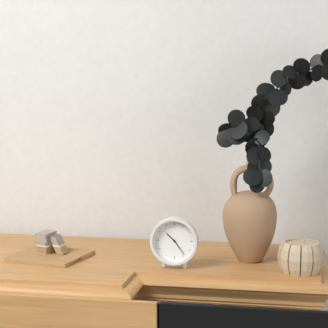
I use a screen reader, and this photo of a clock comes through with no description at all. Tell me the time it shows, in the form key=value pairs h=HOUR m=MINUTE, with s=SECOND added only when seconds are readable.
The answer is h=10 m=24
